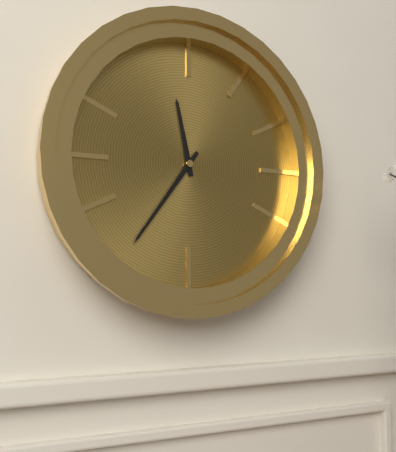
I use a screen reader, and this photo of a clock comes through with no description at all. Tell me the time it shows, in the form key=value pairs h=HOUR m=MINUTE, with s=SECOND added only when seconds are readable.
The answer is h=11 m=36
